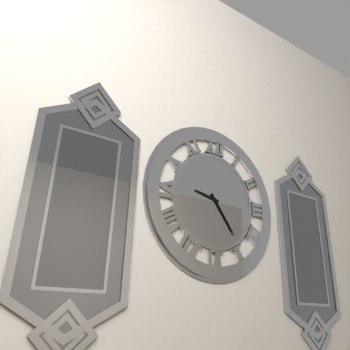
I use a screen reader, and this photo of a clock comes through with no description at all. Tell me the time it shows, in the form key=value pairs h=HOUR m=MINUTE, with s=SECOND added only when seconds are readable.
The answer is h=9 m=24
